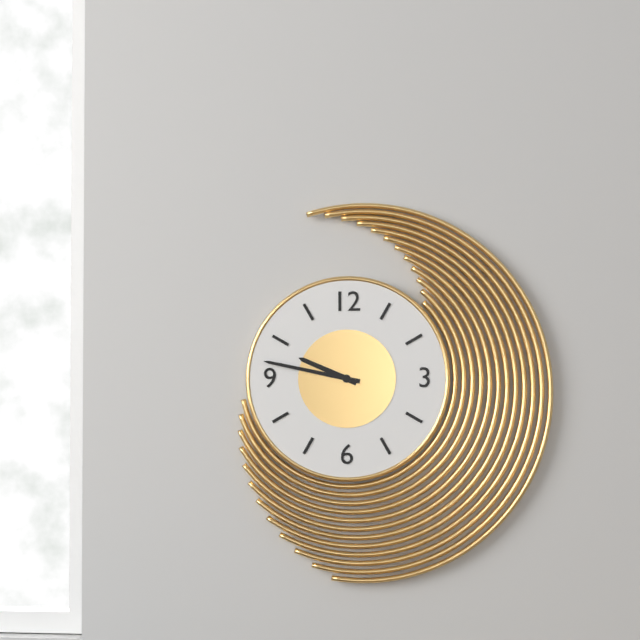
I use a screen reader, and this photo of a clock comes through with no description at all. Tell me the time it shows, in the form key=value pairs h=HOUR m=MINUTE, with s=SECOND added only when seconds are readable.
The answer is h=9 m=47
